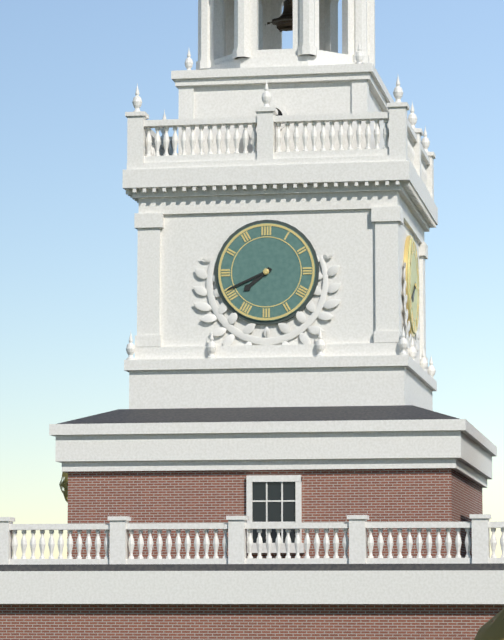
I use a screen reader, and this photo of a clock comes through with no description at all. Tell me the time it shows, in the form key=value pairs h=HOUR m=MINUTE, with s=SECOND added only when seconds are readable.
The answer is h=7 m=41
